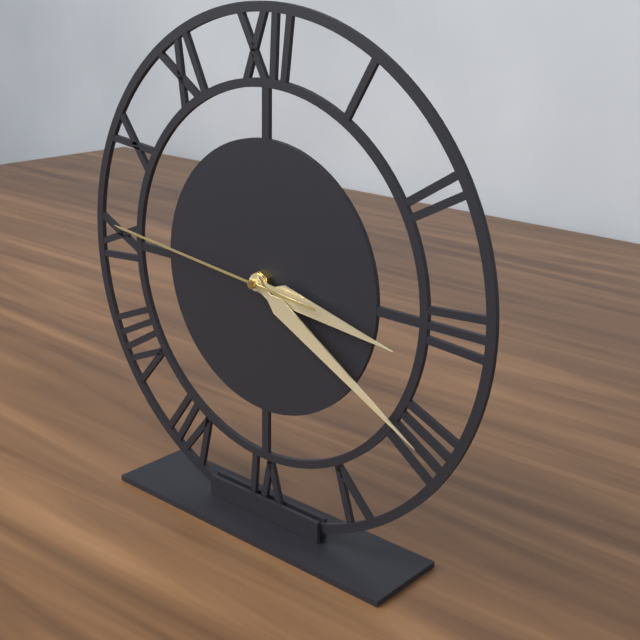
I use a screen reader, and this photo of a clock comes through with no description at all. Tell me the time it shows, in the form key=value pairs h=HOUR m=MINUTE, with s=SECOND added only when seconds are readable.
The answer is h=3 m=20 s=46
